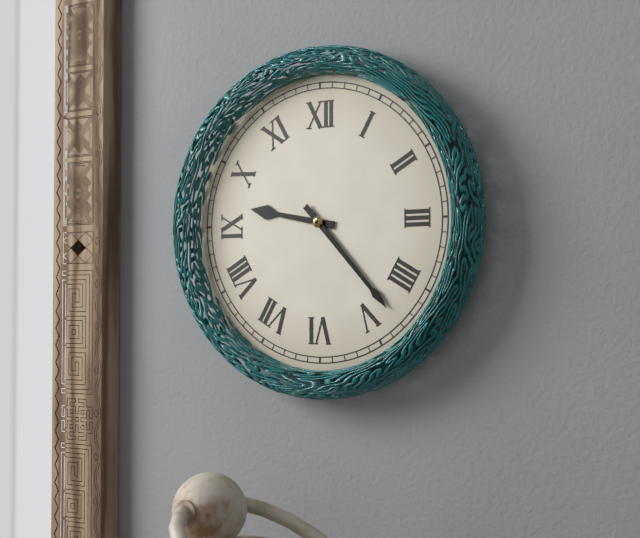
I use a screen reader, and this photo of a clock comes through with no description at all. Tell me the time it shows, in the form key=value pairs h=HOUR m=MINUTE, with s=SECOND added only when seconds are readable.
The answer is h=9 m=23
